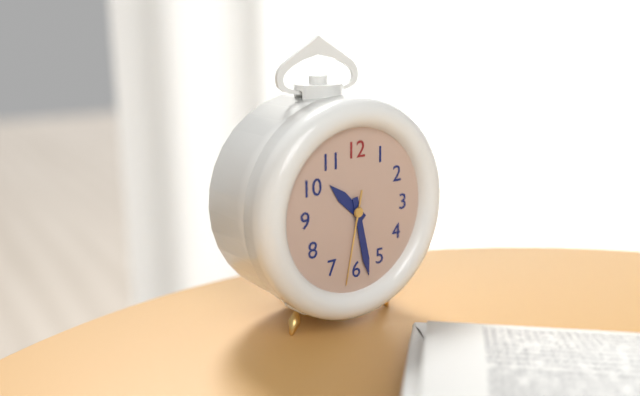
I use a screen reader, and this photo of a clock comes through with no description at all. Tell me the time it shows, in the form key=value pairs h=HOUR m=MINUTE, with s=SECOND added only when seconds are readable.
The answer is h=10 m=28 s=32
